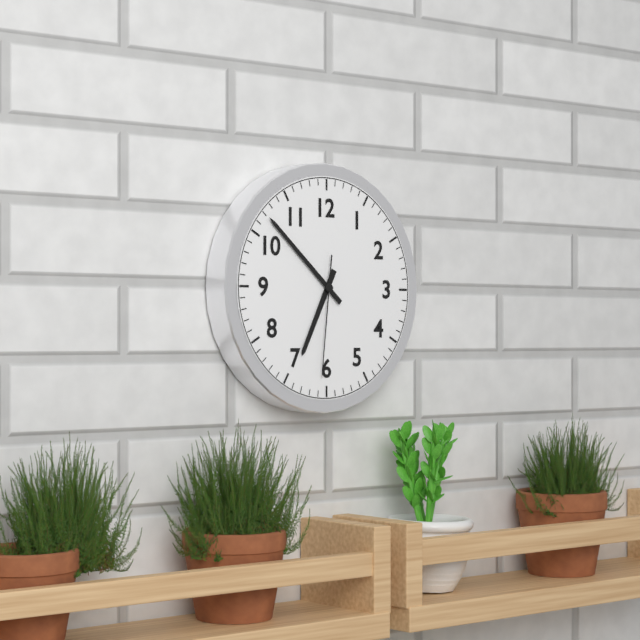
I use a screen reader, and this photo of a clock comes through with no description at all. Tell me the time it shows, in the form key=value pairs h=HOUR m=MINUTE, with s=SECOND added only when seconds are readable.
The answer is h=6 m=52 s=31
